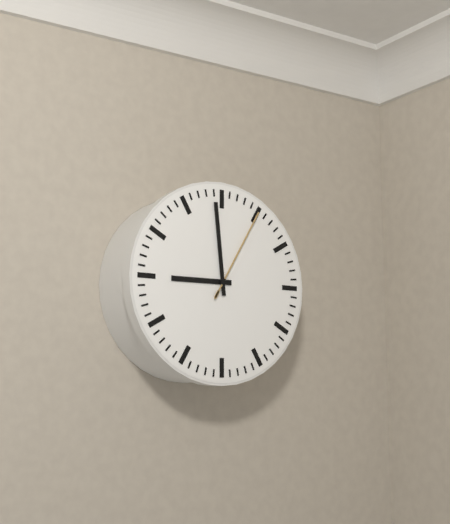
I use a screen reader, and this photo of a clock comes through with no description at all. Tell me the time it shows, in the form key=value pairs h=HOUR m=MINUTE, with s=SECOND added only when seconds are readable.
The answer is h=8 m=59 s=5
